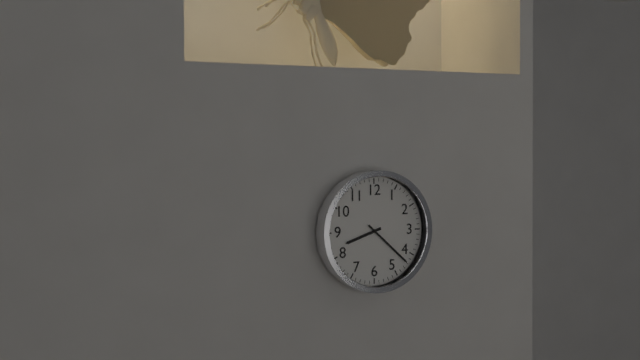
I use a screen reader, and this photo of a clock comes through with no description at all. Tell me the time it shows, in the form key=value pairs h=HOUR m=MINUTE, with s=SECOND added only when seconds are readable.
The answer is h=8 m=22
